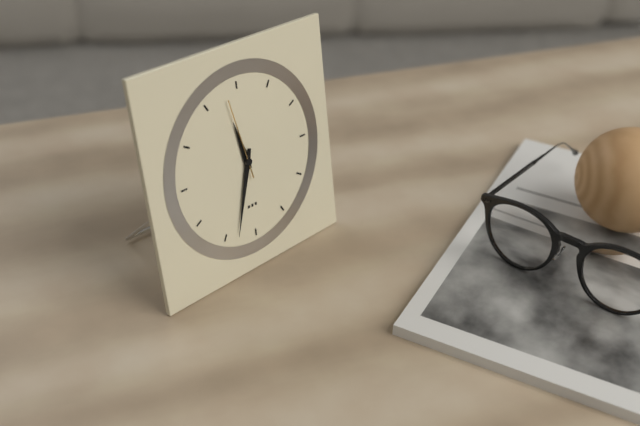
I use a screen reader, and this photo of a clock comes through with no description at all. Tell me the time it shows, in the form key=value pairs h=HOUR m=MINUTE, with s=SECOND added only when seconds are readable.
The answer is h=11 m=33 s=58
